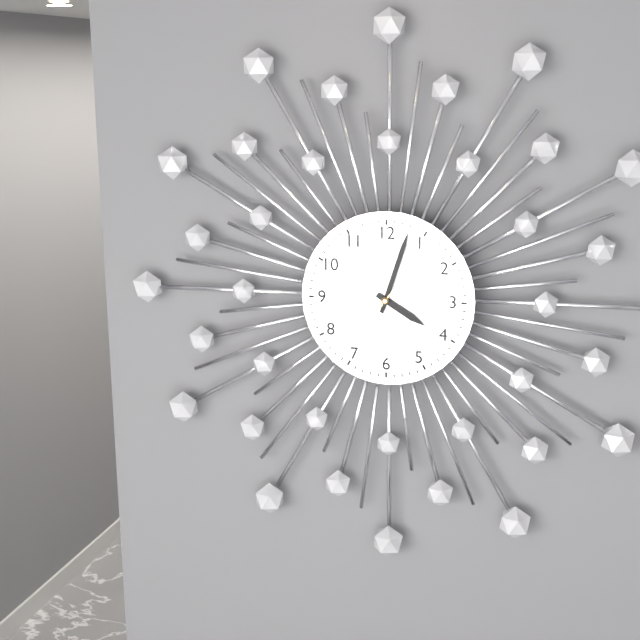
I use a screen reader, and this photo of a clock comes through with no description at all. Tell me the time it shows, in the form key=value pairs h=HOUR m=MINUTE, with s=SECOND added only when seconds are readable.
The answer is h=4 m=3 s=6
